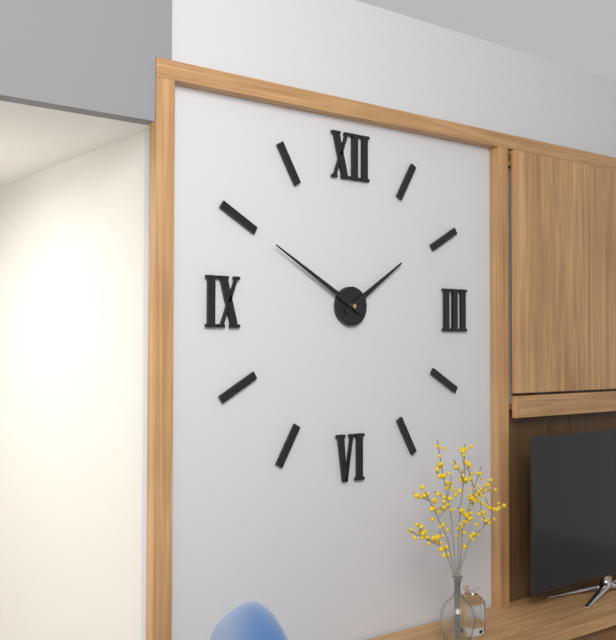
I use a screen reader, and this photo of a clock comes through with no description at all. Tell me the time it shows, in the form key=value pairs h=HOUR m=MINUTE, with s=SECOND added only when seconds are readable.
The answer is h=1 m=50
